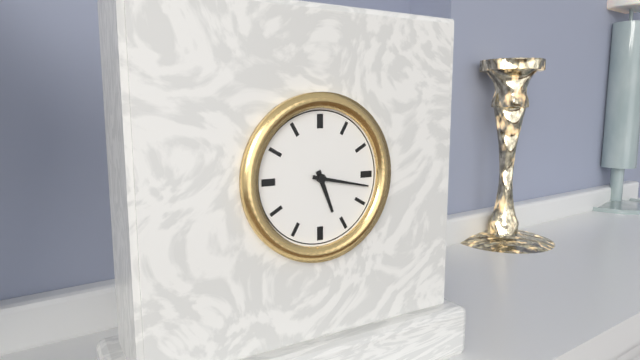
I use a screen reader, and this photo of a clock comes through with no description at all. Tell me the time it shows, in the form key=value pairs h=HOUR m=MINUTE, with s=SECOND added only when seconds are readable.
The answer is h=5 m=17
